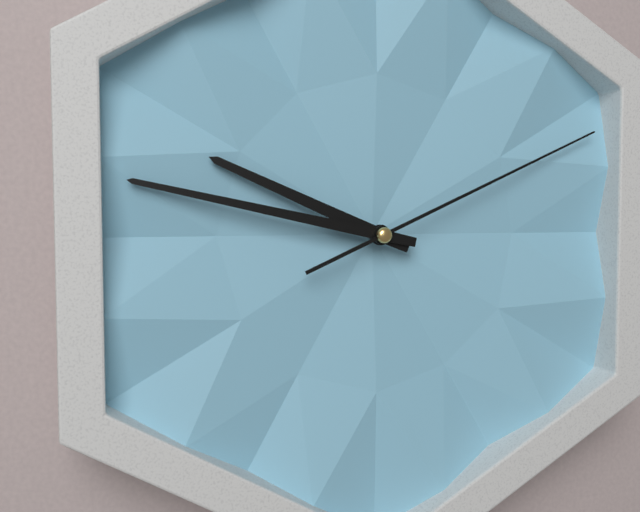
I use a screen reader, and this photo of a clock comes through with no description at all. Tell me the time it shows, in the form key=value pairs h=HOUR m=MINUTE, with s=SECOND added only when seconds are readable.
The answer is h=9 m=47 s=11
